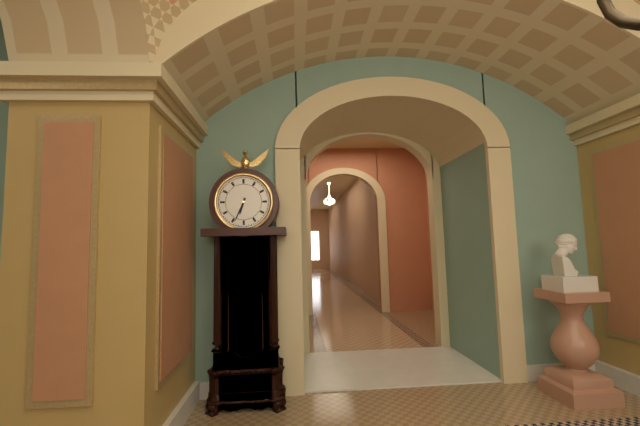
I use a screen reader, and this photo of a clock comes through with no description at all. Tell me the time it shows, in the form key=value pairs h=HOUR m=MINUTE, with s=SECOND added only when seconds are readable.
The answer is h=6 m=34
